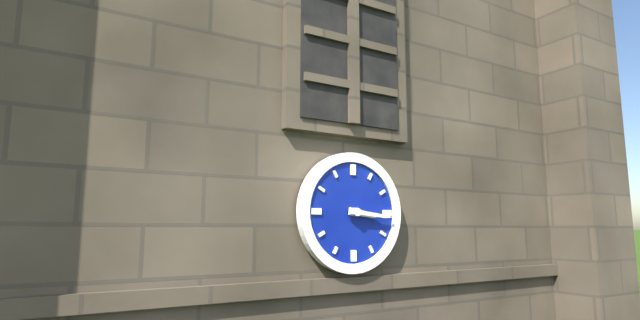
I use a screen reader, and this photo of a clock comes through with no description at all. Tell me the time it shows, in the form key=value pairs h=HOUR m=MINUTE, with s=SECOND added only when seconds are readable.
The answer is h=3 m=16
